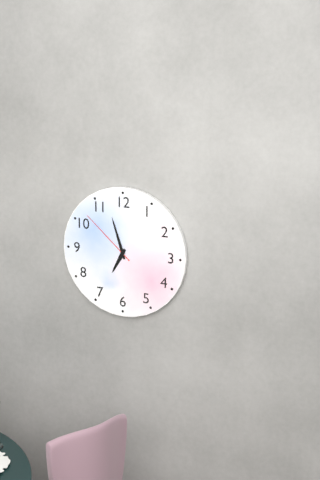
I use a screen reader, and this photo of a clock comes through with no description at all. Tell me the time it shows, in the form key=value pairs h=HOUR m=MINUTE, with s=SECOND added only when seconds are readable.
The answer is h=6 m=57 s=52
